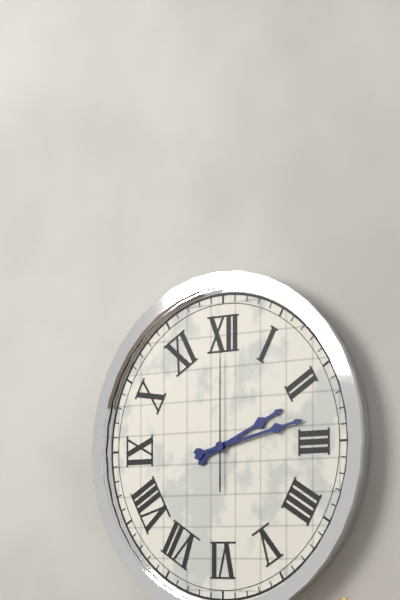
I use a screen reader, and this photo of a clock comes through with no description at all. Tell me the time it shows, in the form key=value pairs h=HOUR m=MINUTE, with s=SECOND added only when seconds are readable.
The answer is h=2 m=13 s=0
